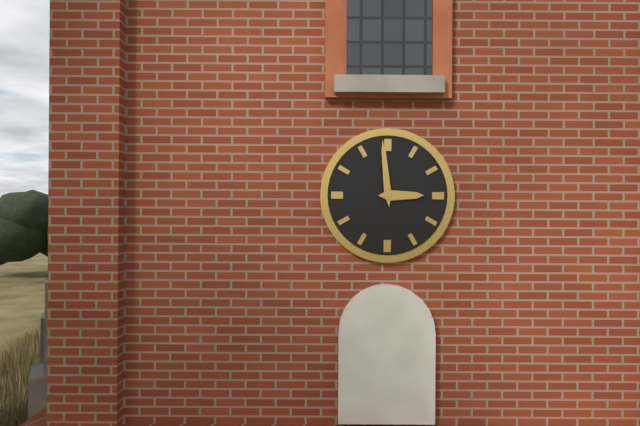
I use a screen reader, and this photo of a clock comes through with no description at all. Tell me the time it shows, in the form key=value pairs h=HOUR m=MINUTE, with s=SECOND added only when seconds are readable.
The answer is h=2 m=59
